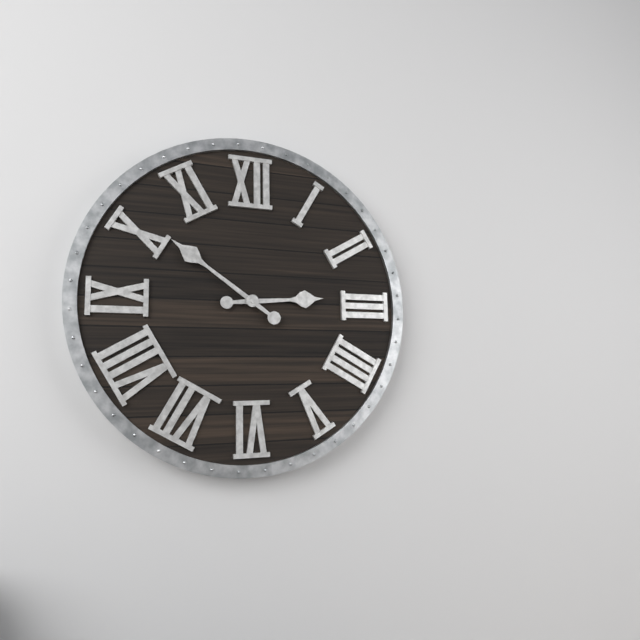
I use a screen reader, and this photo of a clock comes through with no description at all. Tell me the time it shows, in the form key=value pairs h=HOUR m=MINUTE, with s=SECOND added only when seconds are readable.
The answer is h=2 m=51
